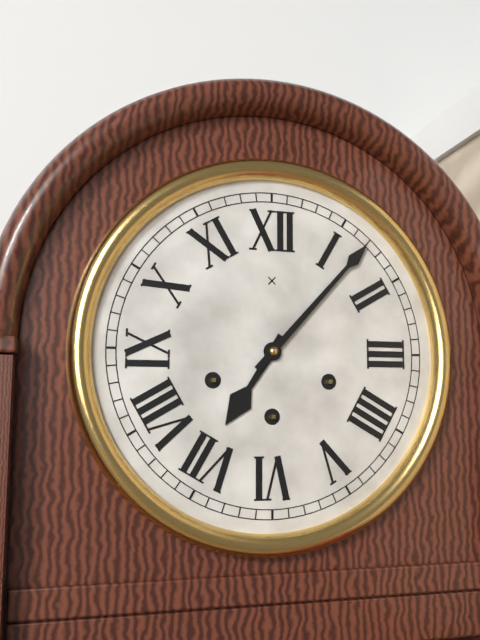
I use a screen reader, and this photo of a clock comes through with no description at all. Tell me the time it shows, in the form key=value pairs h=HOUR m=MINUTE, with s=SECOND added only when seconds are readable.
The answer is h=7 m=7
